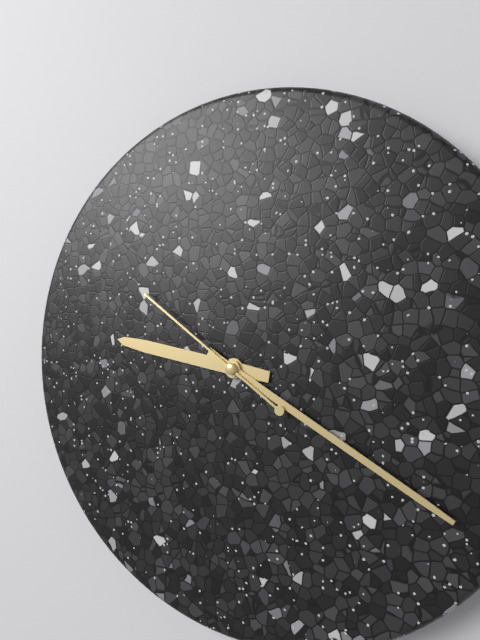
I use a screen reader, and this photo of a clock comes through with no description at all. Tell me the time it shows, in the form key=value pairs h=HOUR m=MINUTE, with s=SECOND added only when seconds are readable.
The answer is h=9 m=20 s=51
